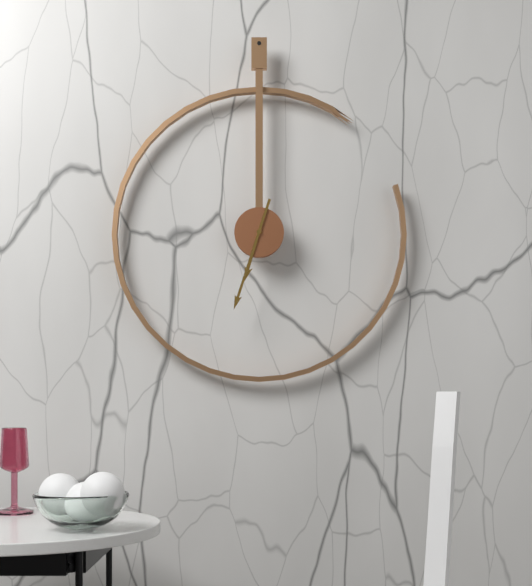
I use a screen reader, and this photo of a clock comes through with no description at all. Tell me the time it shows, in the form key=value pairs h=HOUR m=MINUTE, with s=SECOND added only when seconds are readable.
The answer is h=6 m=33
